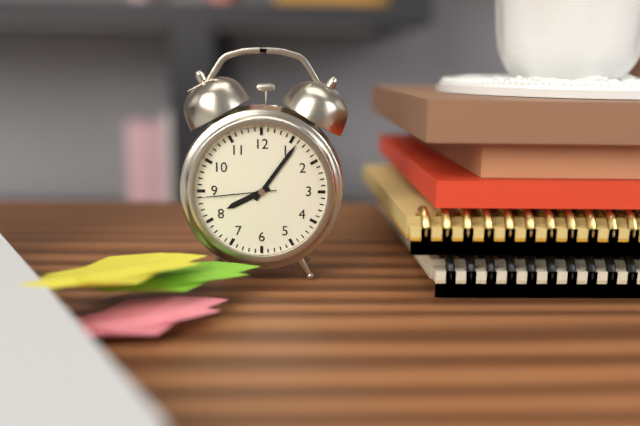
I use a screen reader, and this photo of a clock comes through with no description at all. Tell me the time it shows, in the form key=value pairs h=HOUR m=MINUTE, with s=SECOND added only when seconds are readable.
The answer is h=8 m=6 s=44
